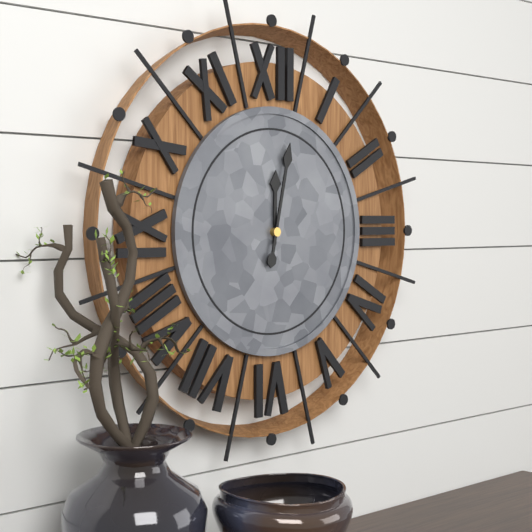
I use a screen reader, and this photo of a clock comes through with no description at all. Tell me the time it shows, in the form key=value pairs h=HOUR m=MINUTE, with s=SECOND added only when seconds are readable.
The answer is h=12 m=2
